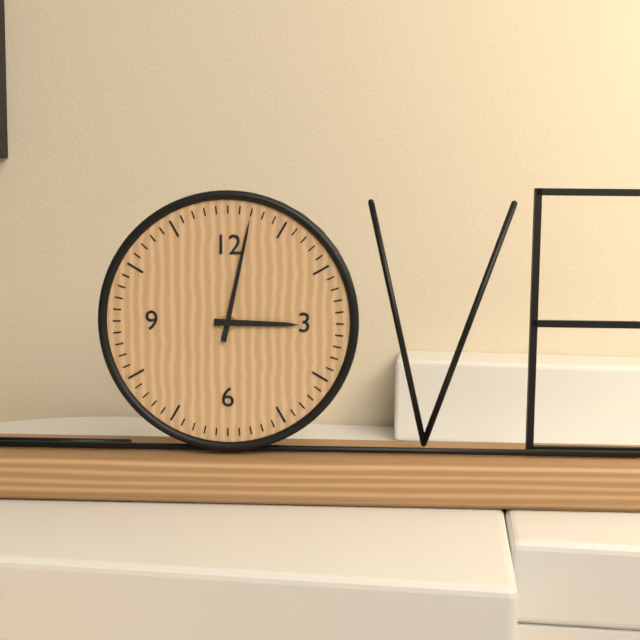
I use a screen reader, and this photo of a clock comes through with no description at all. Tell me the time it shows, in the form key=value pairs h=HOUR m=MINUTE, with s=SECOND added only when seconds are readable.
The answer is h=3 m=2
